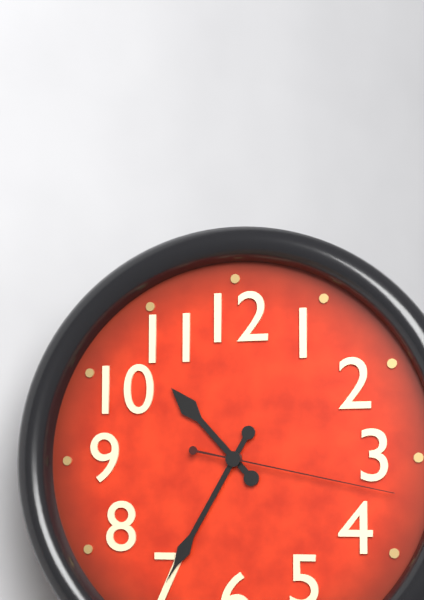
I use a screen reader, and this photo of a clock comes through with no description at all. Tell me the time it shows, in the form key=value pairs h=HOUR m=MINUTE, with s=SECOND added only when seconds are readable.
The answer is h=10 m=35 s=17
